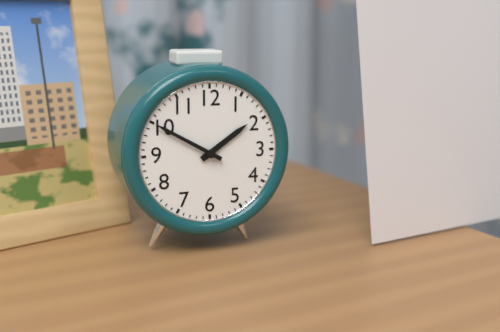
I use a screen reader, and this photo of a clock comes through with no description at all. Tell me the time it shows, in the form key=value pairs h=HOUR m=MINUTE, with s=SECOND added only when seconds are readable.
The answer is h=1 m=50
